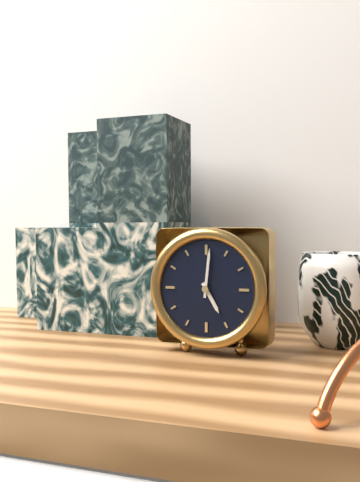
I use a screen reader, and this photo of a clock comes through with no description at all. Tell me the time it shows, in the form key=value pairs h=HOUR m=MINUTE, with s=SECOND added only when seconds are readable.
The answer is h=5 m=1
